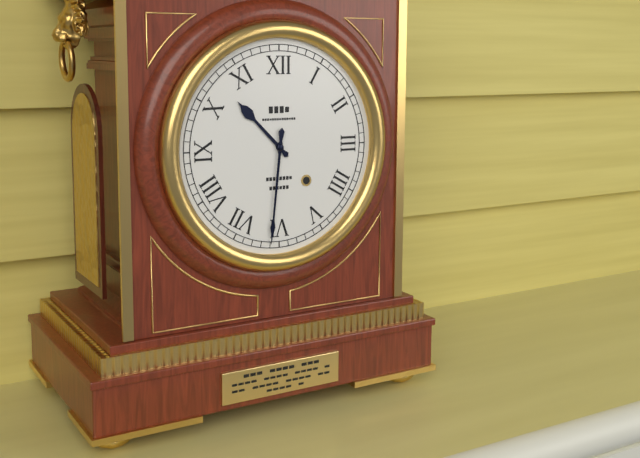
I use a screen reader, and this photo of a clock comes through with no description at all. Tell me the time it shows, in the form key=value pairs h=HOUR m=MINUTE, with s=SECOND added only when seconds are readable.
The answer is h=10 m=31
